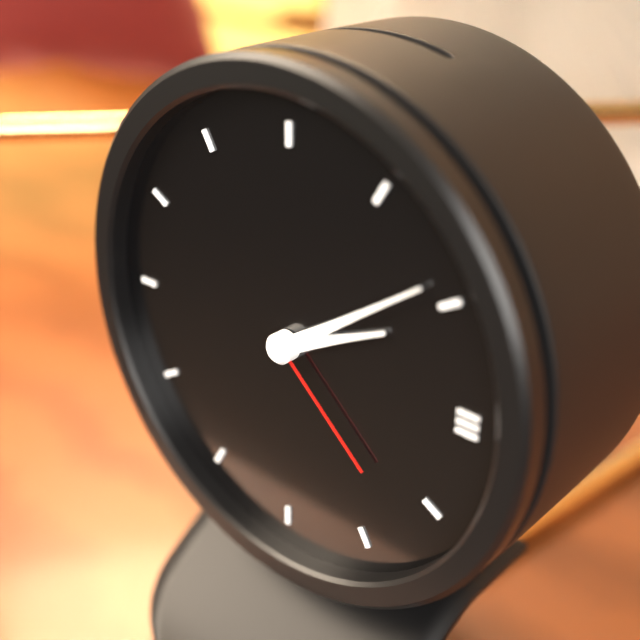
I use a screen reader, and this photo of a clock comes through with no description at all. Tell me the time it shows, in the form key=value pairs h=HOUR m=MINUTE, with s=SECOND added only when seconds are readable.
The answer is h=2 m=9 s=22
